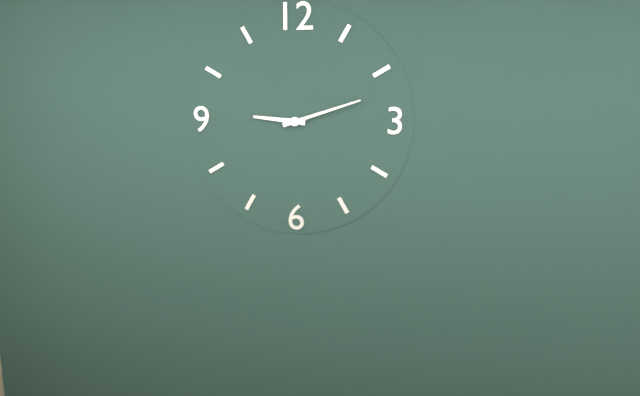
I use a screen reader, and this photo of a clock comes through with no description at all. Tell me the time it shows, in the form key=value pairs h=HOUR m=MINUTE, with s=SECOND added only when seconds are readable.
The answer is h=9 m=12
